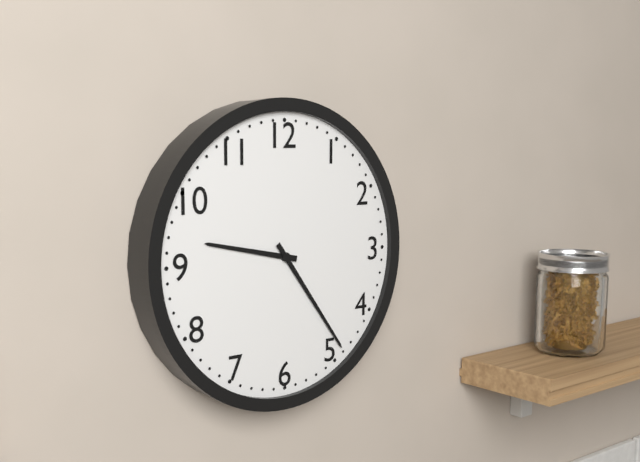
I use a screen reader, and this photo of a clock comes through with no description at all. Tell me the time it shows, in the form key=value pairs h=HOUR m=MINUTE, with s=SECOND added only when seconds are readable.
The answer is h=9 m=24
